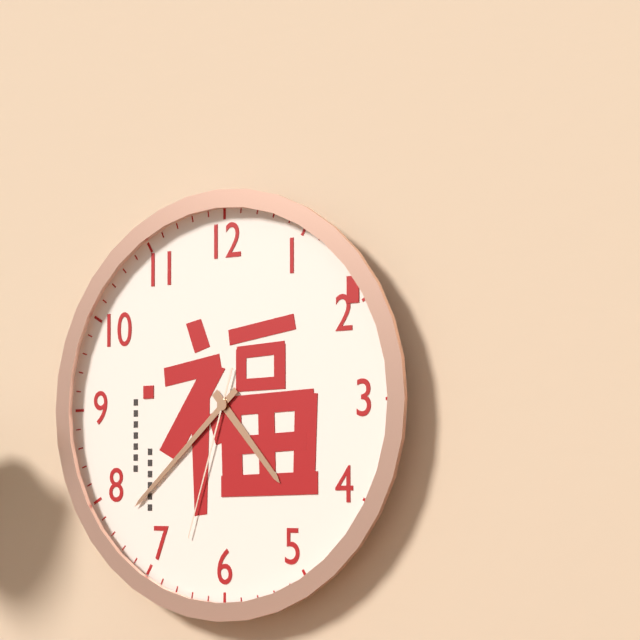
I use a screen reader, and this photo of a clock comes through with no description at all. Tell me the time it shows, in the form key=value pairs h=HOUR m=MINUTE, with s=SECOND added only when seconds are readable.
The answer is h=4 m=38 s=33
